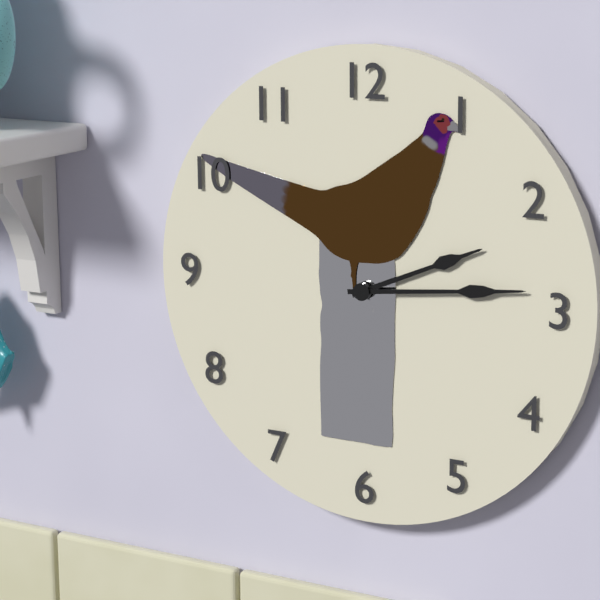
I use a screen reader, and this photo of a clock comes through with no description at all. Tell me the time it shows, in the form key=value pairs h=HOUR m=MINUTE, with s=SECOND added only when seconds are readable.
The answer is h=2 m=14
